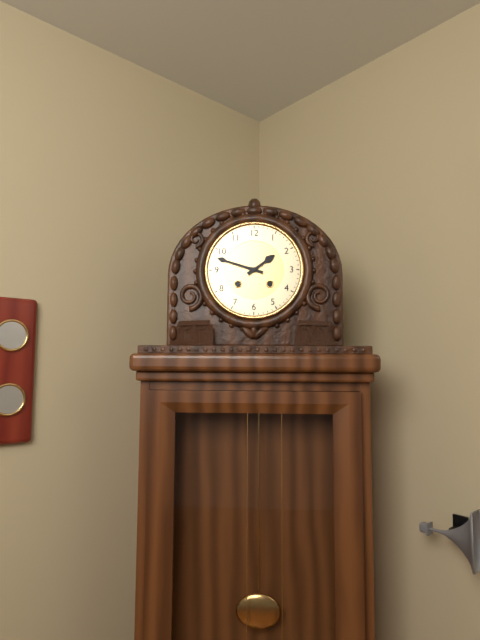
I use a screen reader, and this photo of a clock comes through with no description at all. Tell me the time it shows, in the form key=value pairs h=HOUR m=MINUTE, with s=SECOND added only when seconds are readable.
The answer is h=1 m=48
